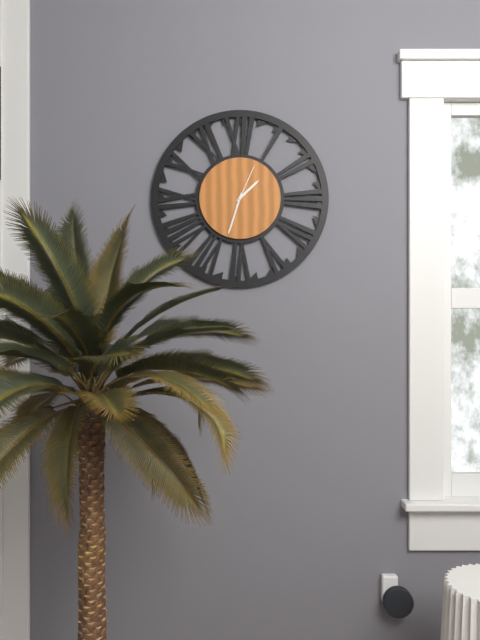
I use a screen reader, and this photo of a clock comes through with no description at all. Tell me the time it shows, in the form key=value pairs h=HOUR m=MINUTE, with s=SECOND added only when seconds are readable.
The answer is h=1 m=33
